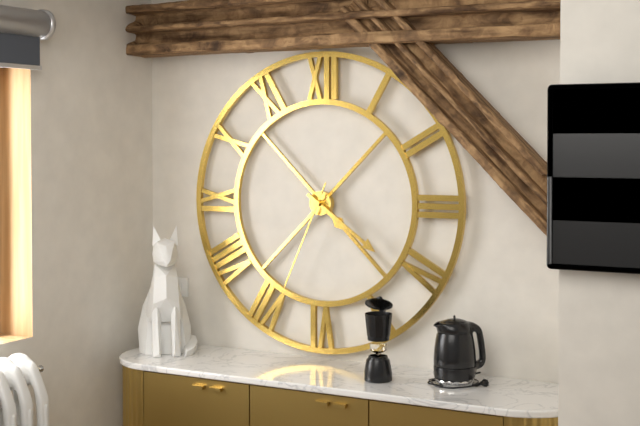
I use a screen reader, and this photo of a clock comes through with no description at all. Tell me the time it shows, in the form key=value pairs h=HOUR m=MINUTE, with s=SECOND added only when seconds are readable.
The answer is h=4 m=21 s=34
